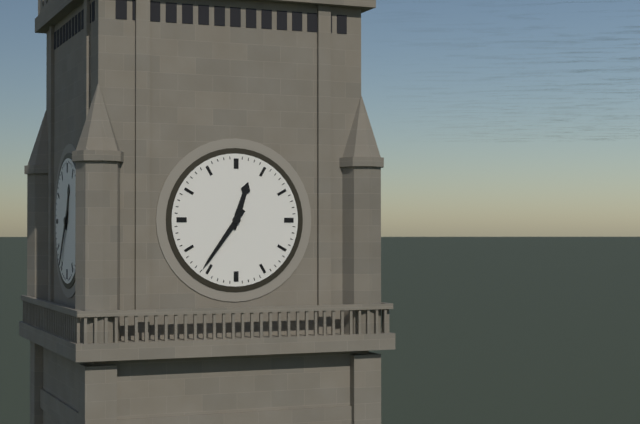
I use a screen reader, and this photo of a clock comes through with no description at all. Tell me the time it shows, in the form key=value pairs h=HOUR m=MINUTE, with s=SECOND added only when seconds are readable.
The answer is h=12 m=36
